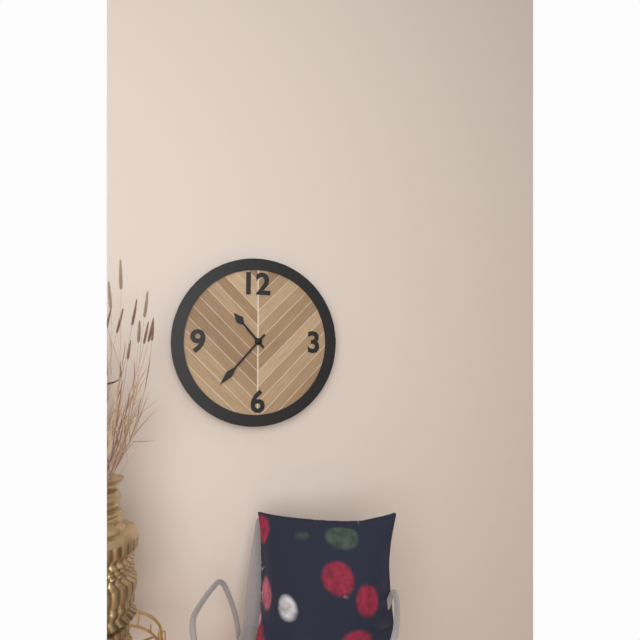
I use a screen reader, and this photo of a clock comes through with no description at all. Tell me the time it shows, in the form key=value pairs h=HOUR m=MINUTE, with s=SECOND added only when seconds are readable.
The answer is h=10 m=37
